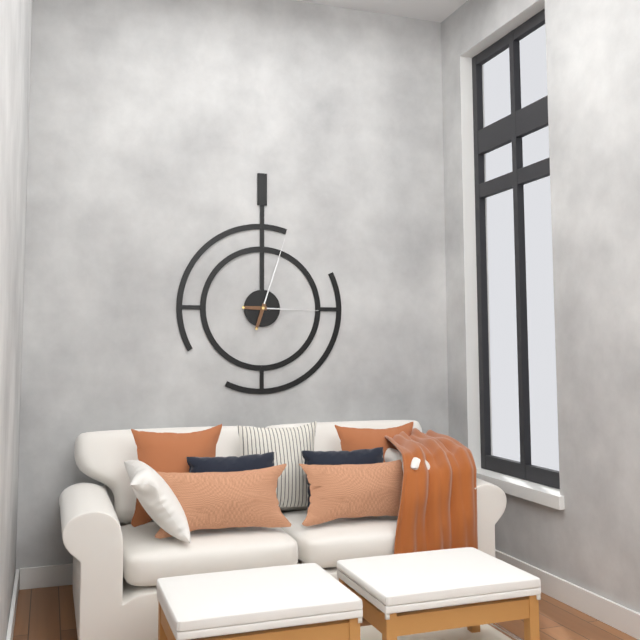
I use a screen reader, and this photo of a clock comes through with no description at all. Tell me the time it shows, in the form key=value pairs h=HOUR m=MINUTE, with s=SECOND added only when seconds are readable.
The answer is h=3 m=3
